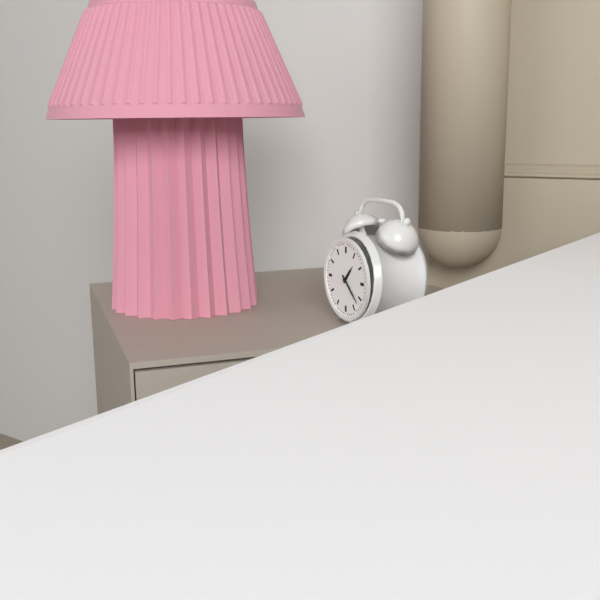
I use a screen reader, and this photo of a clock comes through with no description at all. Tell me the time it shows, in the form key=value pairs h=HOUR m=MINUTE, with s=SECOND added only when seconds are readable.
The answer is h=1 m=22
